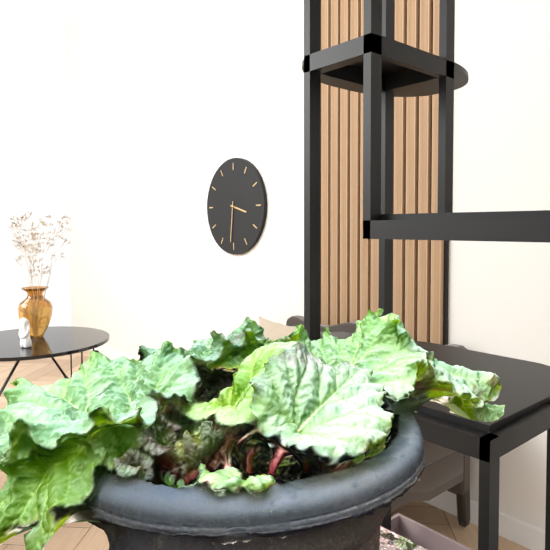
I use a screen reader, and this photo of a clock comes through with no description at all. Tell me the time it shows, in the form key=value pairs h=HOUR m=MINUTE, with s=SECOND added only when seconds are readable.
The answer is h=3 m=31
